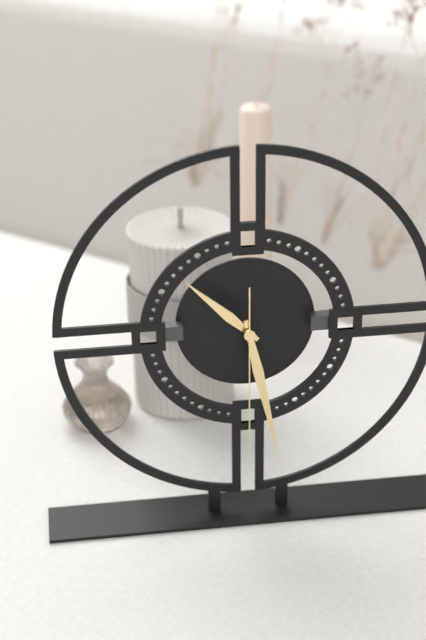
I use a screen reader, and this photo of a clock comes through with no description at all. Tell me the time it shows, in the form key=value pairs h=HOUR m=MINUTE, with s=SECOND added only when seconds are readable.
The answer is h=10 m=28 s=30
